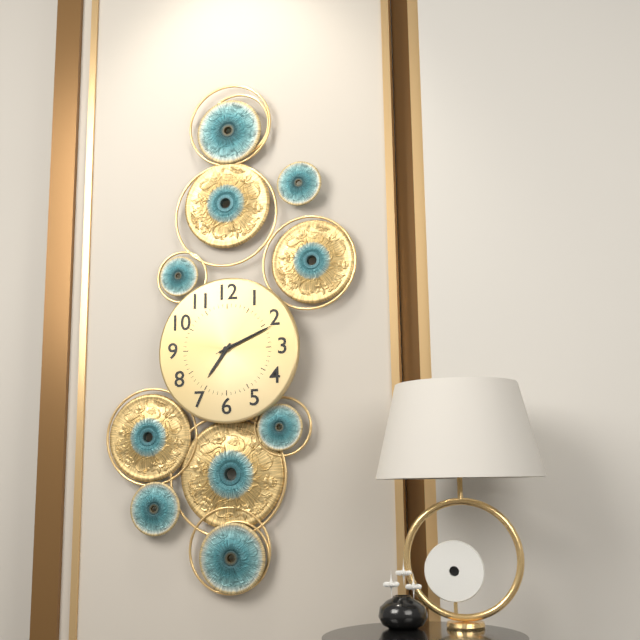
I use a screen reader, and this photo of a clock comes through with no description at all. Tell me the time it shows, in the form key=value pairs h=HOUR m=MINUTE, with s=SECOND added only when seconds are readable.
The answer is h=7 m=11 s=11
